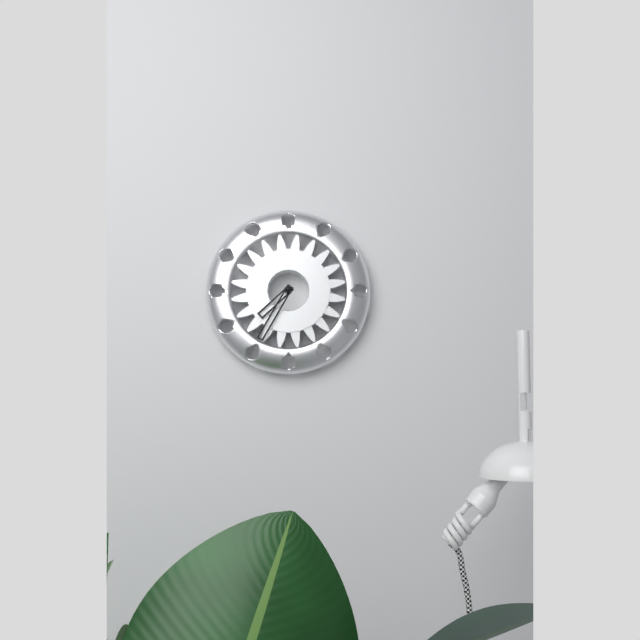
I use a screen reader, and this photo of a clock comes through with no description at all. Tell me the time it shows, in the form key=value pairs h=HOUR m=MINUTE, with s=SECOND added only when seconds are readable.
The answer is h=7 m=35
